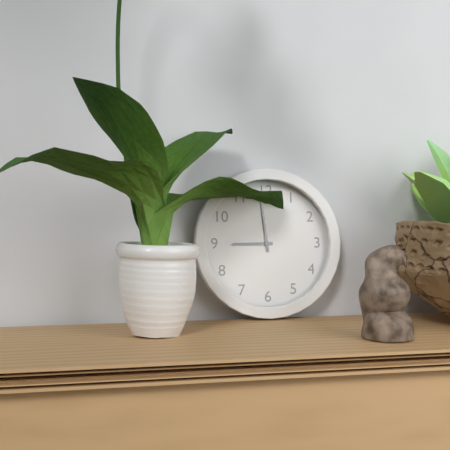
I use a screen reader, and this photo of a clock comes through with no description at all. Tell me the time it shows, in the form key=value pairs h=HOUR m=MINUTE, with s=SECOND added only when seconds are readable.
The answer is h=8 m=59
